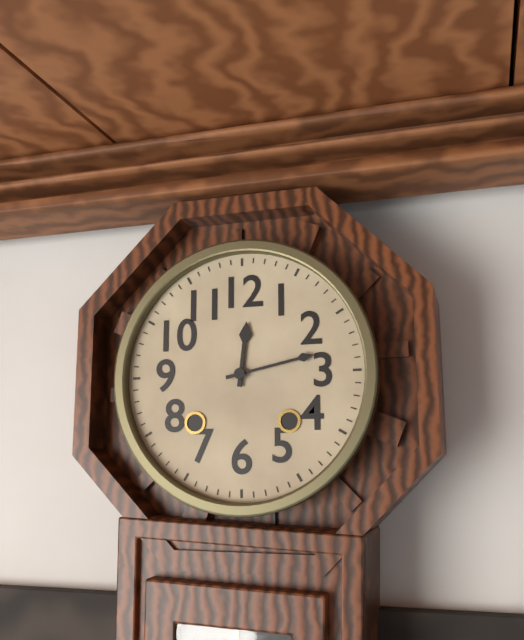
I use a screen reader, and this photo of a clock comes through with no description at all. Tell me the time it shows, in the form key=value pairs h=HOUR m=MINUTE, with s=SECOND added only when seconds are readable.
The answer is h=12 m=13
